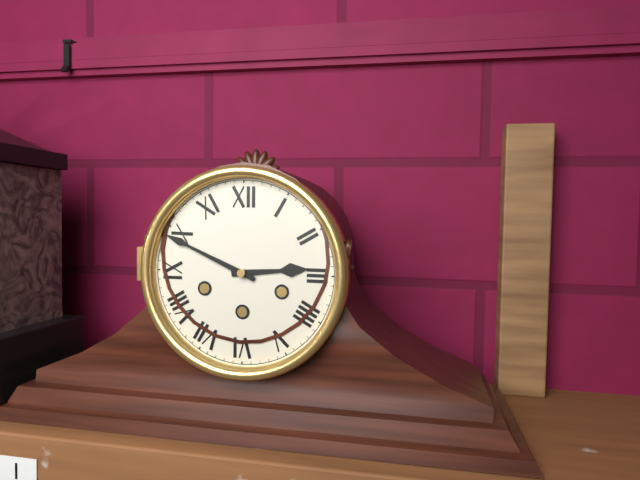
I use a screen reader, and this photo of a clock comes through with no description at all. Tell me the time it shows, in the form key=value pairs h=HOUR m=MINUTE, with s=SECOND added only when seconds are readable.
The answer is h=2 m=49
